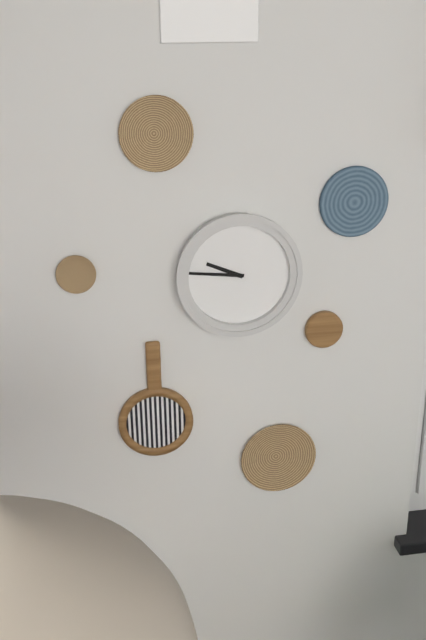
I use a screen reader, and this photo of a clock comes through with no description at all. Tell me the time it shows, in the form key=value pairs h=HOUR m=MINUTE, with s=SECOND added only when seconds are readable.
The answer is h=9 m=46
